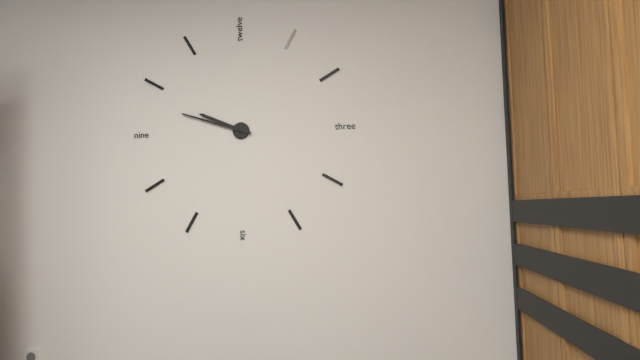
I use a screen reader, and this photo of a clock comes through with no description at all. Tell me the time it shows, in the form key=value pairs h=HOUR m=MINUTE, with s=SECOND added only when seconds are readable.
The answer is h=9 m=48
